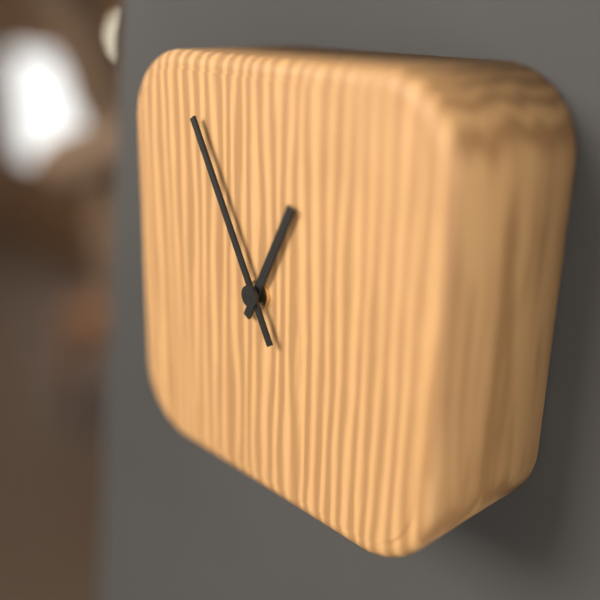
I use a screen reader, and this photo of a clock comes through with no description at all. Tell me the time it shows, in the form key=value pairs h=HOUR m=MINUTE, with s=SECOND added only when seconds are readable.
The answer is h=12 m=55
